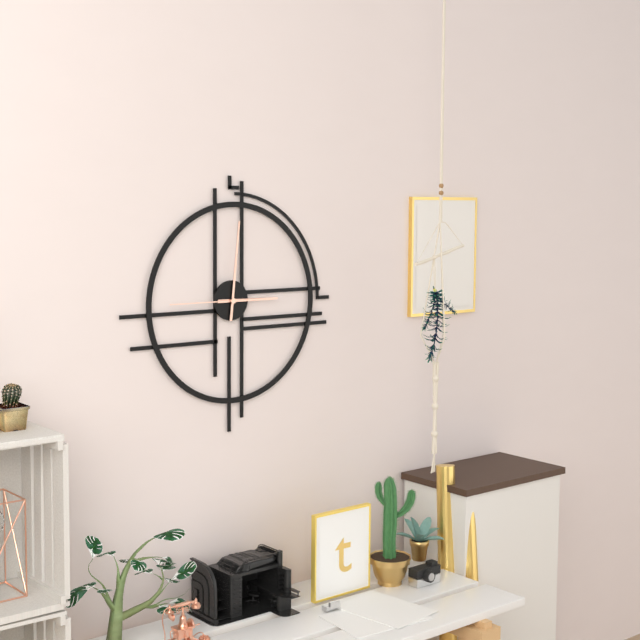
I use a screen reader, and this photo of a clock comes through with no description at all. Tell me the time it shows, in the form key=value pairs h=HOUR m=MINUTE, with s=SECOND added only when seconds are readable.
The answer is h=3 m=1 s=45
